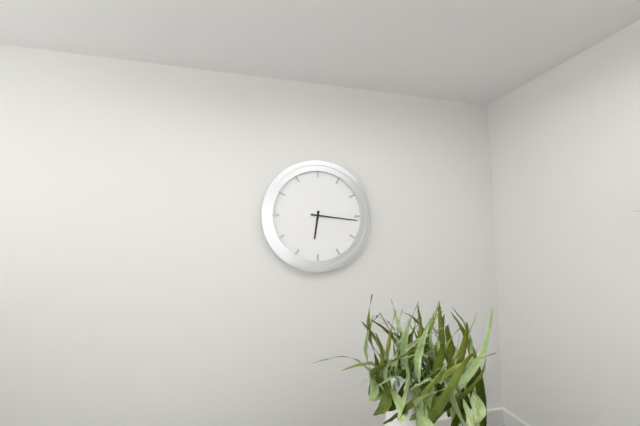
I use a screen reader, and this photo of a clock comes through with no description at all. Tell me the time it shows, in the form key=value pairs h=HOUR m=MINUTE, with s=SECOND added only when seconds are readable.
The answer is h=6 m=16
